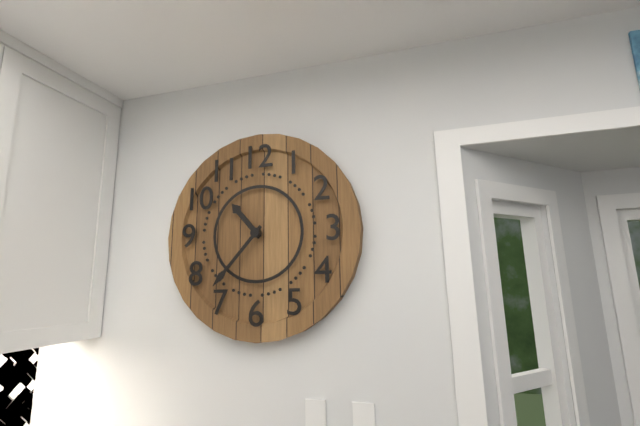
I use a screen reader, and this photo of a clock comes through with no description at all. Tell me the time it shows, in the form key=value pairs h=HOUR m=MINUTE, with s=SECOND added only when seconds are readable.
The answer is h=10 m=37
